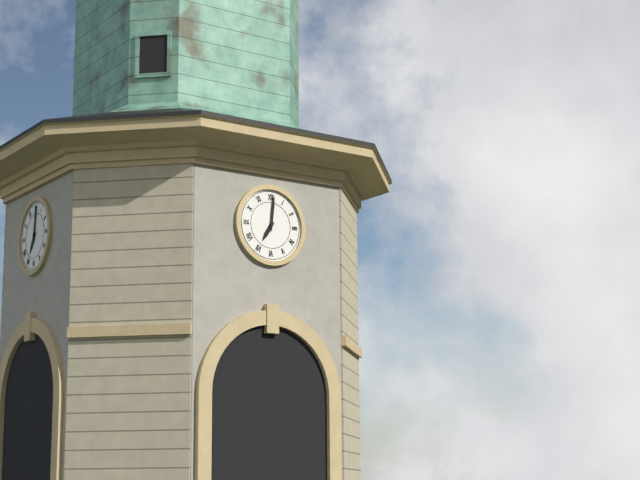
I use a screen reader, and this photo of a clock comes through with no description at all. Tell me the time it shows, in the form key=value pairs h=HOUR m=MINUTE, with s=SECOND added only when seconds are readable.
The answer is h=7 m=1
